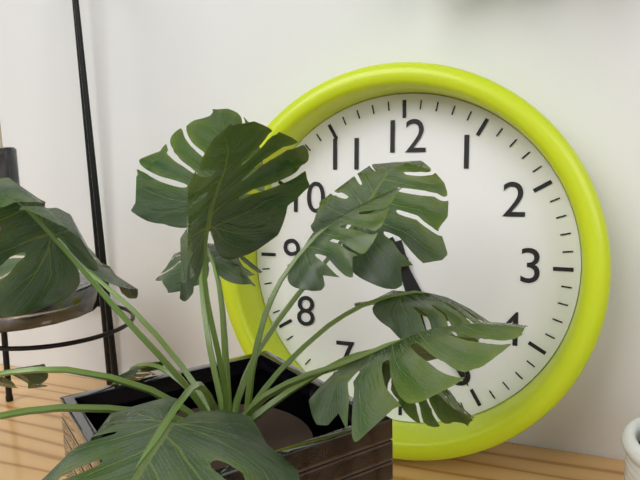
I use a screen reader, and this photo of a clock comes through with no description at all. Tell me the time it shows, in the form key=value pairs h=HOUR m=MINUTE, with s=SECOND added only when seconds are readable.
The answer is h=5 m=25
